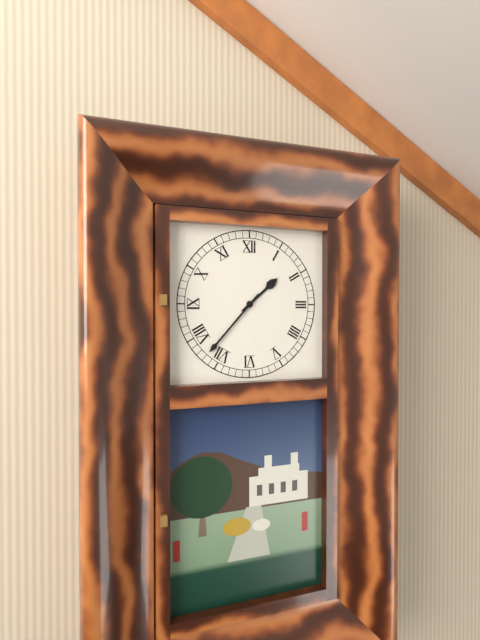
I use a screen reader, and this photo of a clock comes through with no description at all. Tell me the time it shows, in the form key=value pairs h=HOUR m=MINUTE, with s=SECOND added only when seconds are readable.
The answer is h=1 m=37
